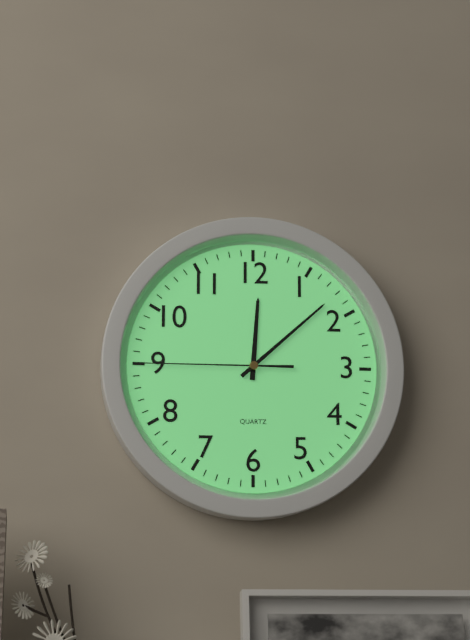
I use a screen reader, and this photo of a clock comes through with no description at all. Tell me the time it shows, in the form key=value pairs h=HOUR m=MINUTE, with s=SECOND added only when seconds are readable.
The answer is h=12 m=8 s=45
